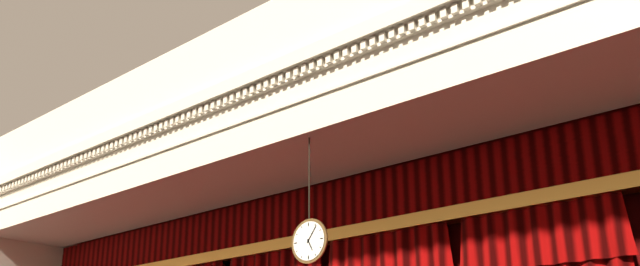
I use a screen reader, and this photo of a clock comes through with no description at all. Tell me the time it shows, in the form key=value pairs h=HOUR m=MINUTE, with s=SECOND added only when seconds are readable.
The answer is h=5 m=6
